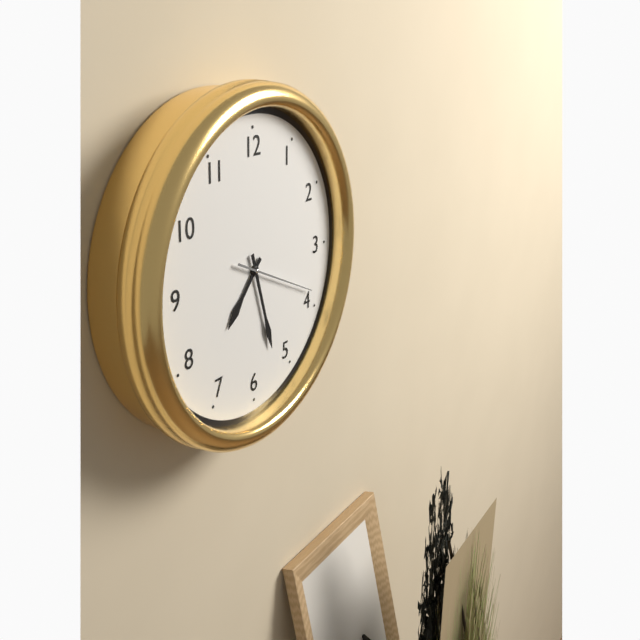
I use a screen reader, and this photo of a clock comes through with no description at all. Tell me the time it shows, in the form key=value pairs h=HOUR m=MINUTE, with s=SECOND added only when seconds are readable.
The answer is h=7 m=27 s=19
